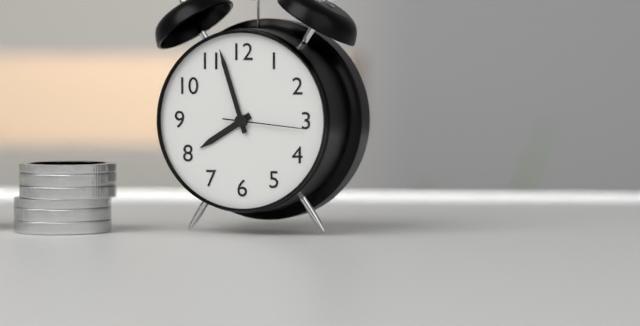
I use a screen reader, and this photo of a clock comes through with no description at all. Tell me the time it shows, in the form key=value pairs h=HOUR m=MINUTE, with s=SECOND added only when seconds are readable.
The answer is h=7 m=57 s=16
